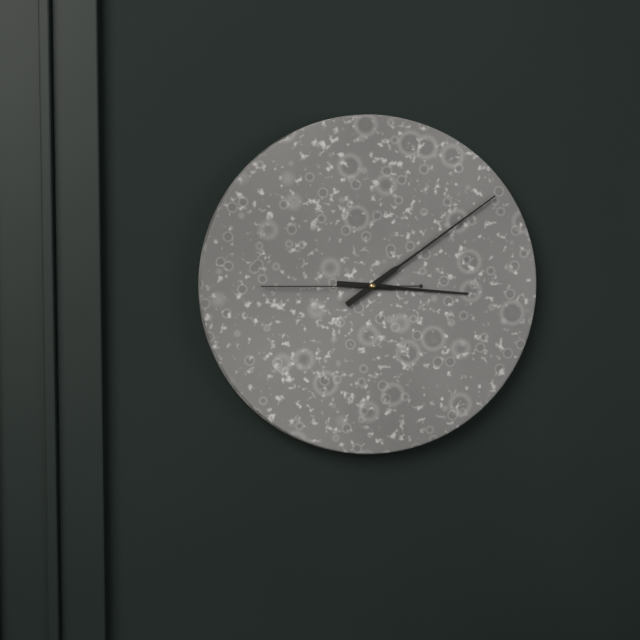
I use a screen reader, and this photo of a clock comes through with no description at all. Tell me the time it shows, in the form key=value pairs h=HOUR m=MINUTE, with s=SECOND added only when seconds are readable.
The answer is h=3 m=9 s=45
